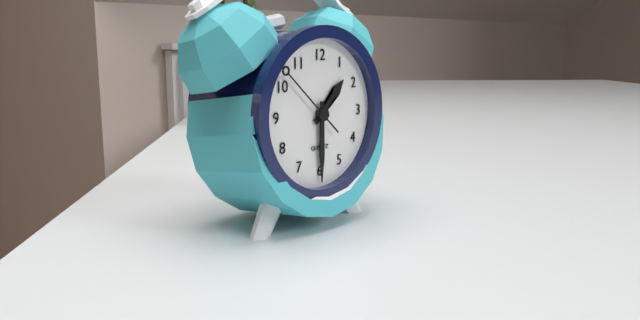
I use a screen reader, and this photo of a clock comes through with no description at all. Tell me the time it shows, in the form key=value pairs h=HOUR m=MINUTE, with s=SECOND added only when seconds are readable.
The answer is h=1 m=30 s=52
